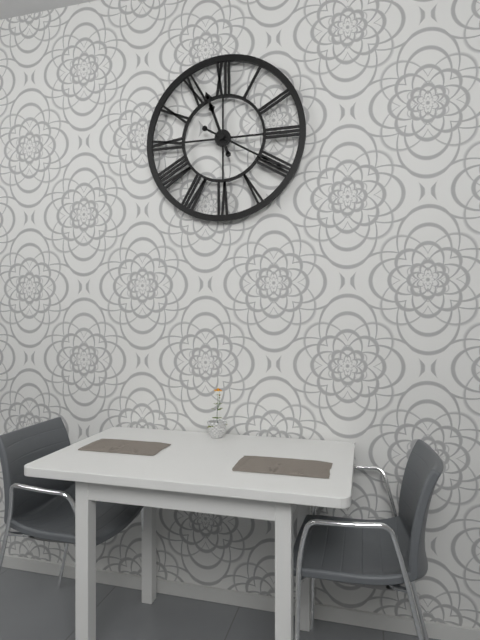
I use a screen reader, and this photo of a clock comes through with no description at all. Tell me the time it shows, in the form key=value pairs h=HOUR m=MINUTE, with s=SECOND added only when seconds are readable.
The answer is h=11 m=20
